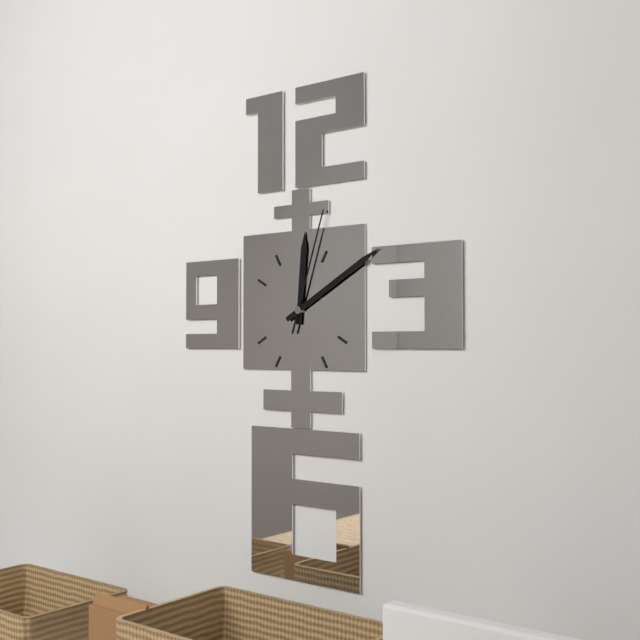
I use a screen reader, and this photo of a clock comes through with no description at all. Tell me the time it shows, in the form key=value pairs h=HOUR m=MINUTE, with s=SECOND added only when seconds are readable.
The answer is h=12 m=10 s=3
